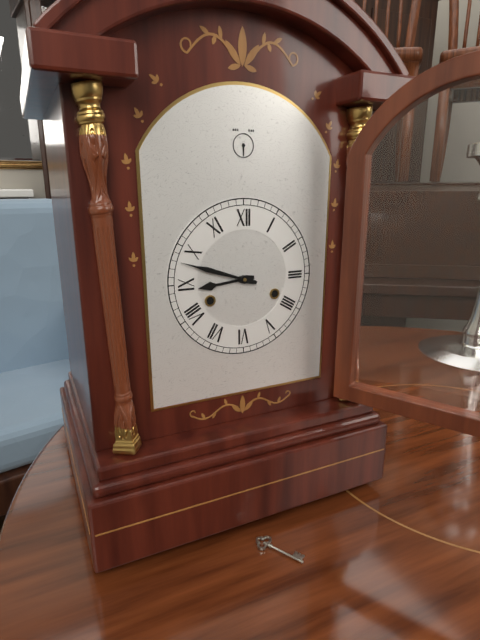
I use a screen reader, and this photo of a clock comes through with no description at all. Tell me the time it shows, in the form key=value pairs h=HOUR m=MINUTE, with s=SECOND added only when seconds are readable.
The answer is h=8 m=48
